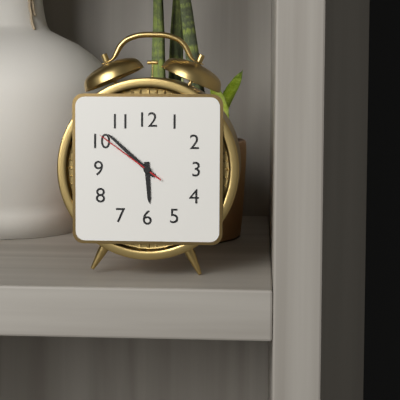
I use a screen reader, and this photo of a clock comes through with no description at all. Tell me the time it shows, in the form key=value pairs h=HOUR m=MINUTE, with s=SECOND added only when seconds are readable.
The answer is h=5 m=52 s=51
